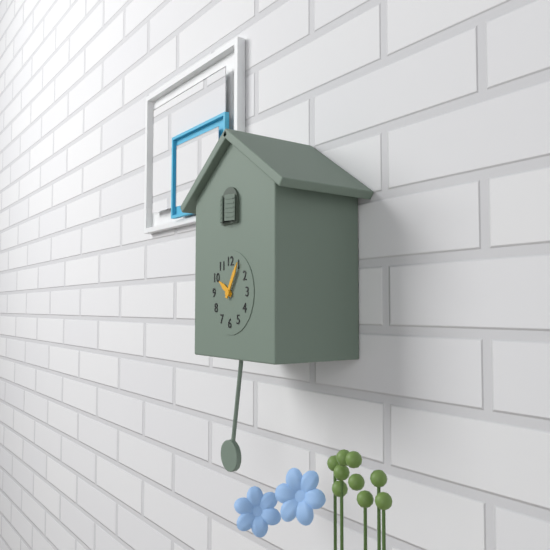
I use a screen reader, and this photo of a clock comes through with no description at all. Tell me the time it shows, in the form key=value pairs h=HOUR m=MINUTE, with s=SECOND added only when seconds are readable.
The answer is h=10 m=5
